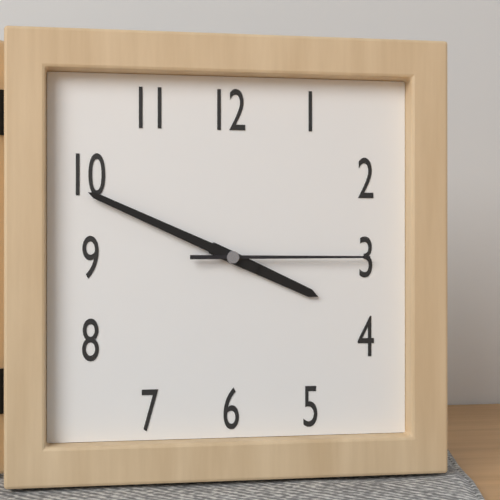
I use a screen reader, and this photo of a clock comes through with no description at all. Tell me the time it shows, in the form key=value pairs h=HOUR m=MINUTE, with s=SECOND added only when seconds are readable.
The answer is h=3 m=49 s=15
